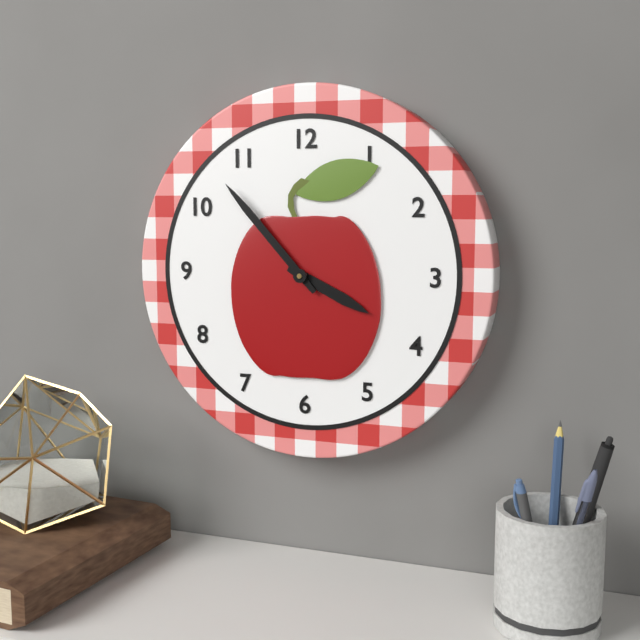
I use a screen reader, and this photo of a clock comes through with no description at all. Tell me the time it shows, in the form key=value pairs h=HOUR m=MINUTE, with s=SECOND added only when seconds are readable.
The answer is h=3 m=53
